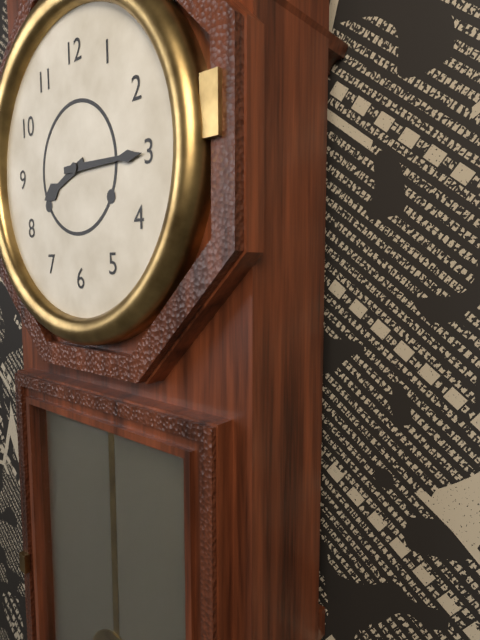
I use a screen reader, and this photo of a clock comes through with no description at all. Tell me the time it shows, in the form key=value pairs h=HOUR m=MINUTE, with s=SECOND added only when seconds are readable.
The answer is h=8 m=15
